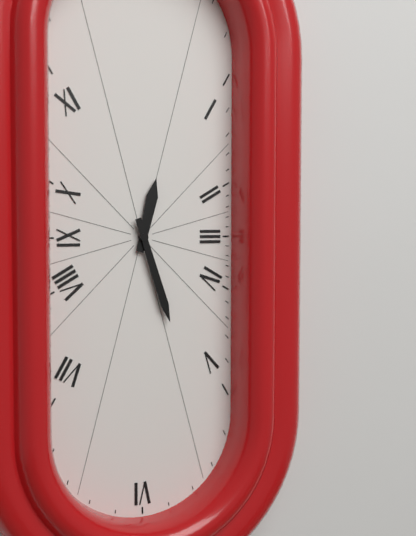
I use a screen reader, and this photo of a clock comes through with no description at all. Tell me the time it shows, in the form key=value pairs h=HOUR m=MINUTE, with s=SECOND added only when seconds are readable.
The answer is h=12 m=27
